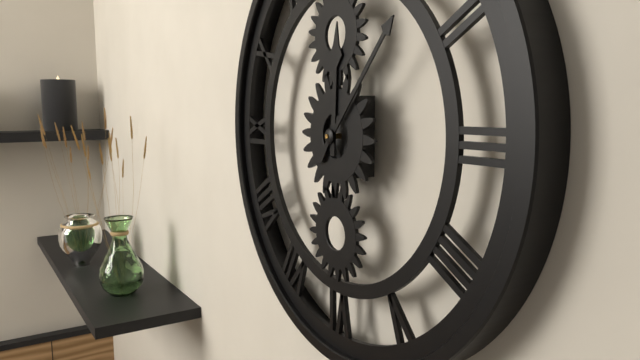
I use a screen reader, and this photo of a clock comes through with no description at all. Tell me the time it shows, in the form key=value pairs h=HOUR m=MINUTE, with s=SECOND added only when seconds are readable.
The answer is h=12 m=7
